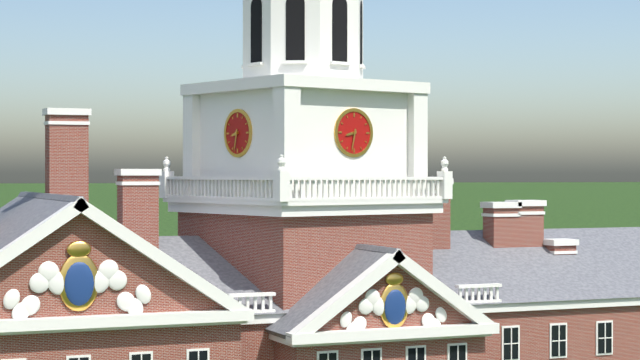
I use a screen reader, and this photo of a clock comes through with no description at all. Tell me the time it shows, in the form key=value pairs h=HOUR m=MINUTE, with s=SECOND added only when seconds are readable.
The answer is h=8 m=32
